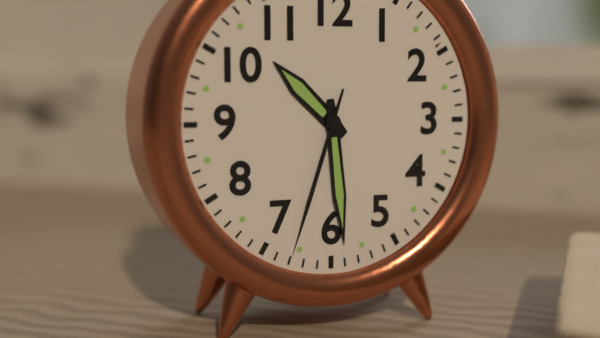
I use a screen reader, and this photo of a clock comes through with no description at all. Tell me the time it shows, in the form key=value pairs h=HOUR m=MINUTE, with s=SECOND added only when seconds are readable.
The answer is h=10 m=29 s=33
